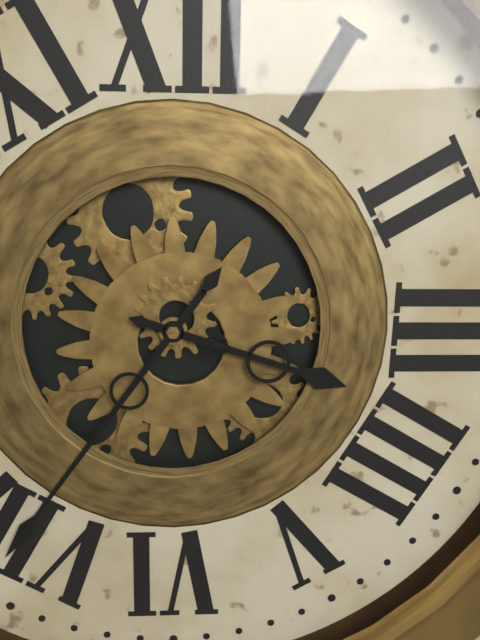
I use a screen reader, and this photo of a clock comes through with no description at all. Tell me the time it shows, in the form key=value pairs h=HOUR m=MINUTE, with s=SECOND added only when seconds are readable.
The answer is h=3 m=36
